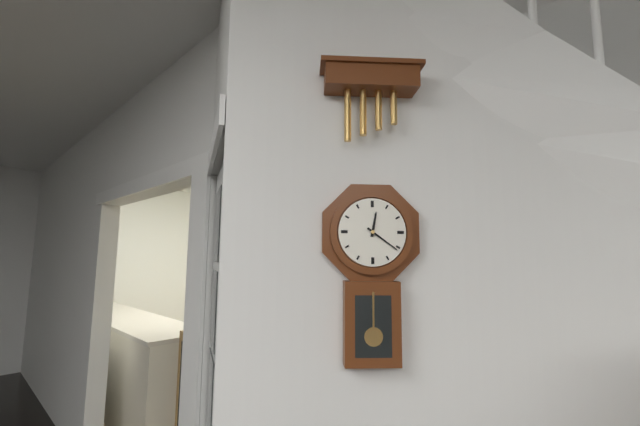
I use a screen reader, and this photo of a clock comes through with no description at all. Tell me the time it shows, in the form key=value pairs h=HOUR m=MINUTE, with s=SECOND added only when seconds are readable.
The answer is h=12 m=21
